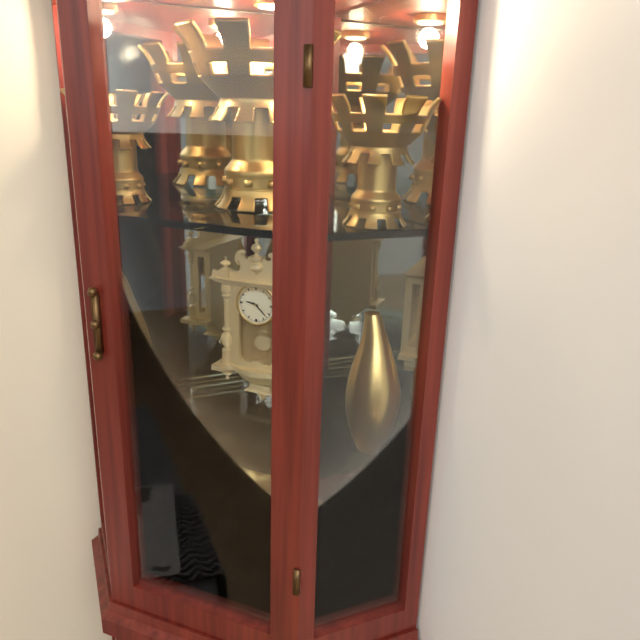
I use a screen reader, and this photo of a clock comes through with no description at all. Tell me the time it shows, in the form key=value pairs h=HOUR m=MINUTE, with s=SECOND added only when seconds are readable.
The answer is h=9 m=22
